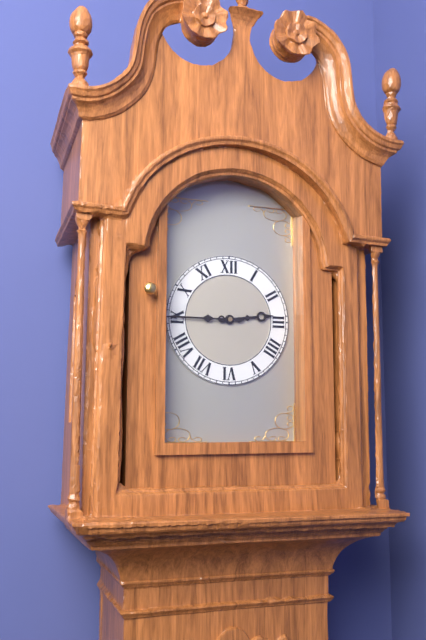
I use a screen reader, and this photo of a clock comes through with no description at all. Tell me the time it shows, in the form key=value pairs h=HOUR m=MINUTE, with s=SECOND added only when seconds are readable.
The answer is h=2 m=45
